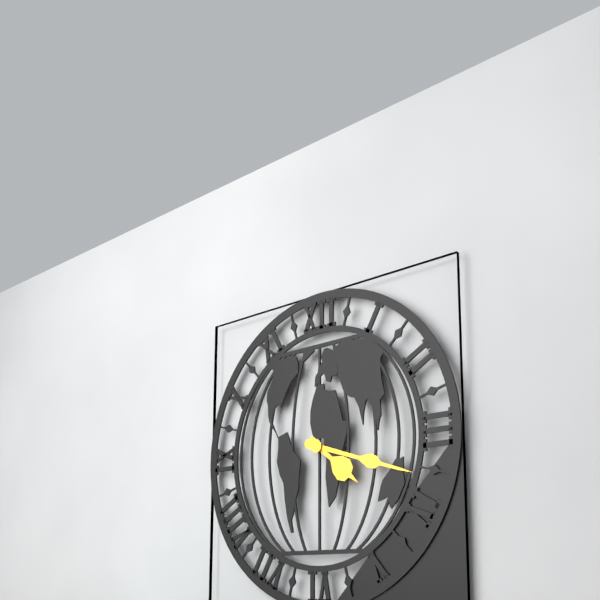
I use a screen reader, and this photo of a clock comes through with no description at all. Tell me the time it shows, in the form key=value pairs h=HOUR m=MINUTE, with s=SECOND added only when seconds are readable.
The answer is h=4 m=18
